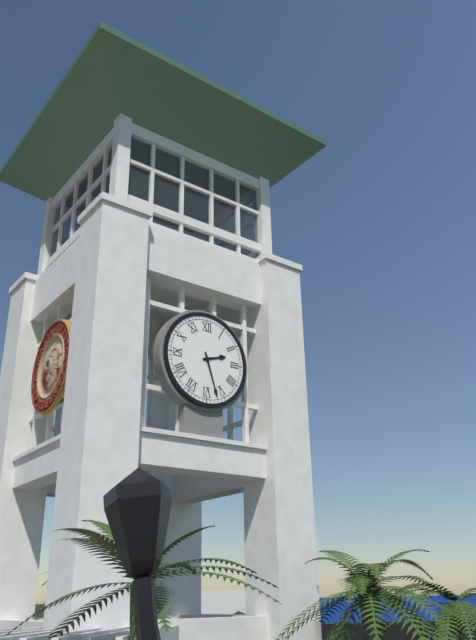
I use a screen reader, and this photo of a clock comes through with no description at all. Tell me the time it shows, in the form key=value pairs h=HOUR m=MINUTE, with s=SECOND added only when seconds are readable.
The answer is h=2 m=27
